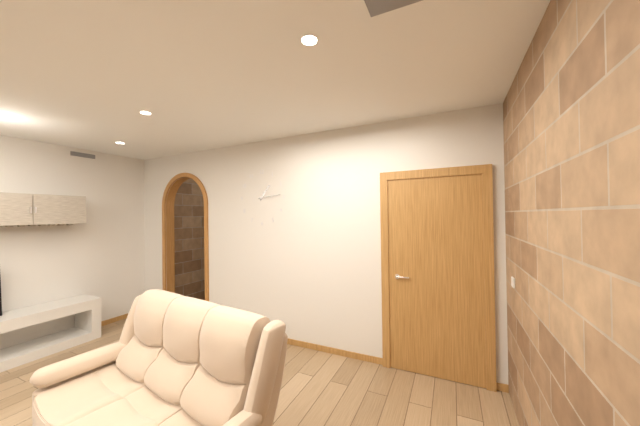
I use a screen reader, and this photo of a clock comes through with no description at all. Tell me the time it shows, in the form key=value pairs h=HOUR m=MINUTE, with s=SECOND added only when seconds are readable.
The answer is h=1 m=14
